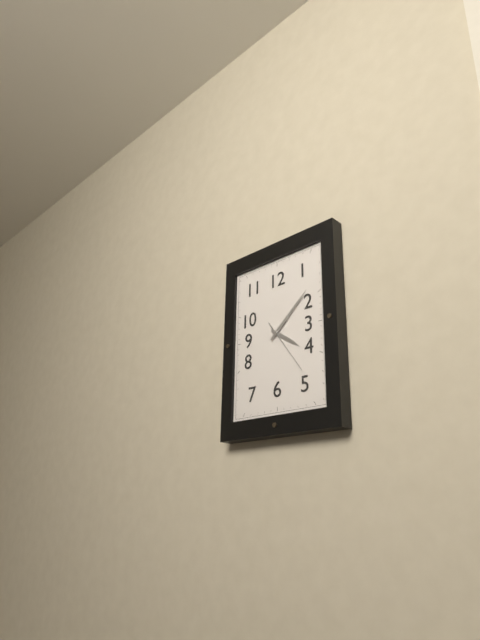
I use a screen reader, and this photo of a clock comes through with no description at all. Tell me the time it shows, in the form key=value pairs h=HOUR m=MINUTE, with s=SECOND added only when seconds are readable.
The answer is h=4 m=8 s=24
